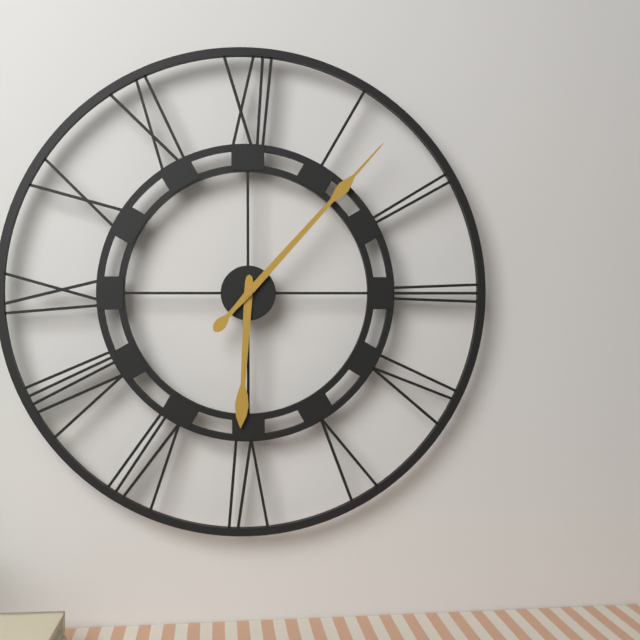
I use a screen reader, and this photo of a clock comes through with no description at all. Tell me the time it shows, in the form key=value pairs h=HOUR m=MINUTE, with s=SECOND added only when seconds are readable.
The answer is h=6 m=7
